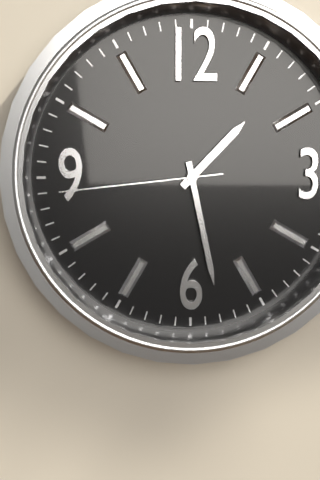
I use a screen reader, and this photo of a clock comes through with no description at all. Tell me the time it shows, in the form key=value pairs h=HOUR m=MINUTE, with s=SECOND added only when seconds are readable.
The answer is h=1 m=28 s=44
